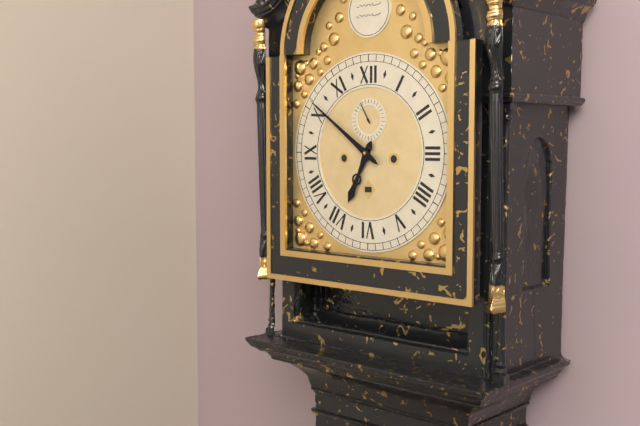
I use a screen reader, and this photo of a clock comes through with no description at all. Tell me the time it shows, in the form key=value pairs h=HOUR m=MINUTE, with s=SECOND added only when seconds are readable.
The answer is h=6 m=51
